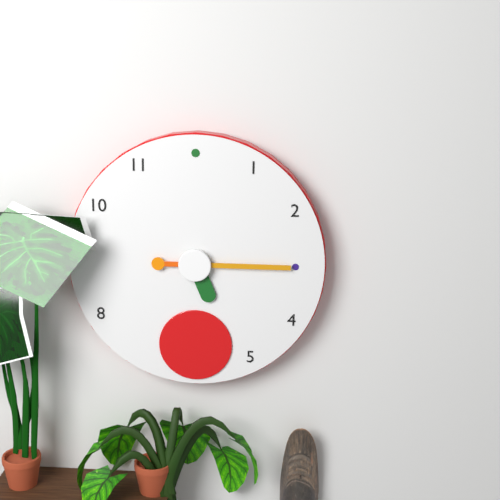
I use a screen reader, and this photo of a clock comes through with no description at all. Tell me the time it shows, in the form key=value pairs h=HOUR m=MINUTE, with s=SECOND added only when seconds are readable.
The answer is h=5 m=15
